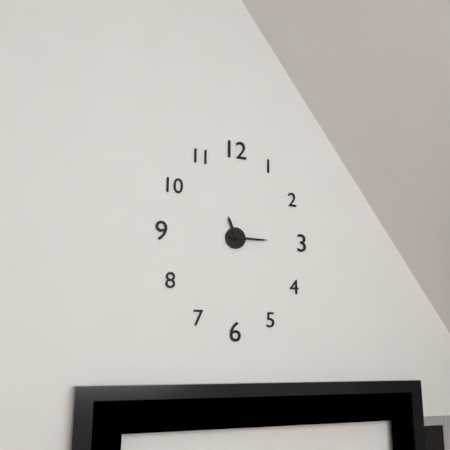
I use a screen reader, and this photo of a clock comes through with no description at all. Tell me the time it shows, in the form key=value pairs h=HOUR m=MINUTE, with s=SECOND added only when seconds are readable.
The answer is h=11 m=15
